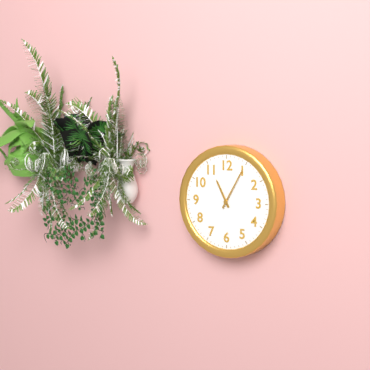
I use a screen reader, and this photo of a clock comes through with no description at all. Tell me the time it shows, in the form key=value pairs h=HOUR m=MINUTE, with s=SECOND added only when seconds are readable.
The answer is h=11 m=5
